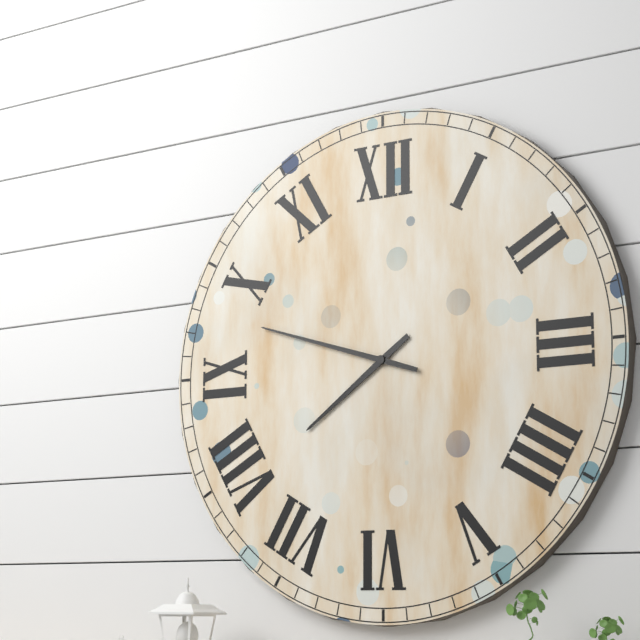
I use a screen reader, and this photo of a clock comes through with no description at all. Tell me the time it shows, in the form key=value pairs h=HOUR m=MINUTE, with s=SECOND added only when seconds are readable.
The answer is h=7 m=48
